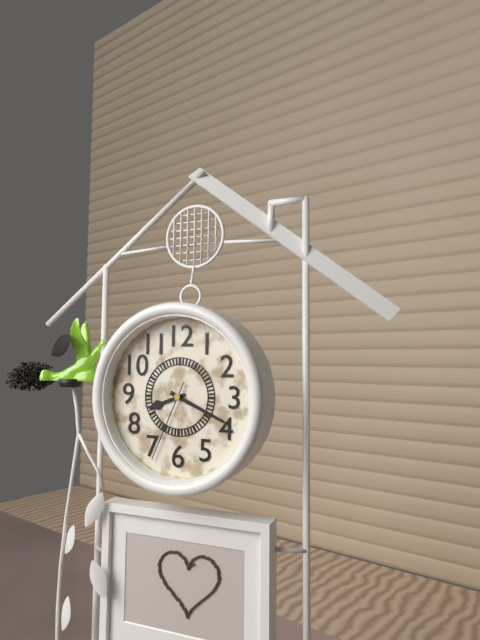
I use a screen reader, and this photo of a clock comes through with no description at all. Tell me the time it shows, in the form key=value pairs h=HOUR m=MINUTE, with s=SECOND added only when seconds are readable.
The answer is h=8 m=19 s=34
